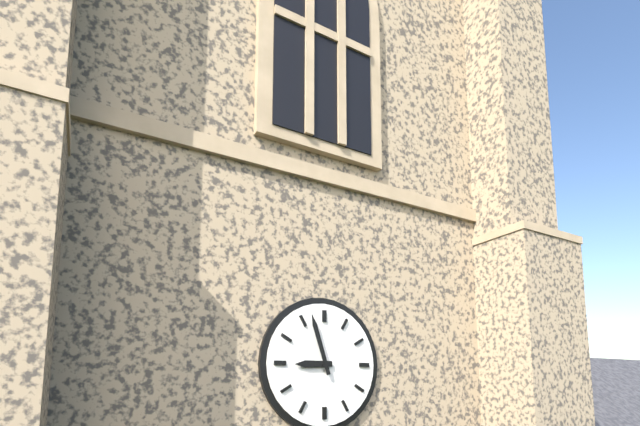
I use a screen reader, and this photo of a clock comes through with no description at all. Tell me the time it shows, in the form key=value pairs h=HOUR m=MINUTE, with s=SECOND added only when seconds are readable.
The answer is h=8 m=57
